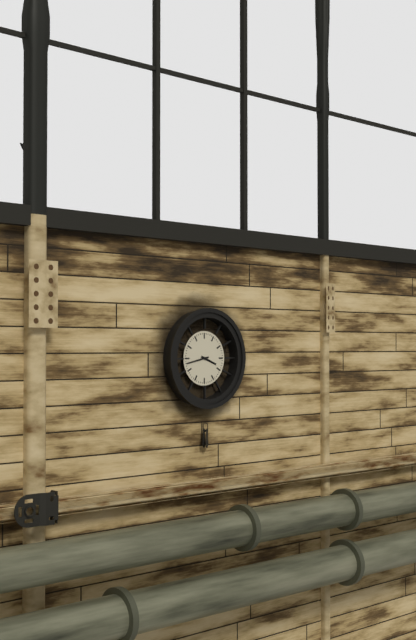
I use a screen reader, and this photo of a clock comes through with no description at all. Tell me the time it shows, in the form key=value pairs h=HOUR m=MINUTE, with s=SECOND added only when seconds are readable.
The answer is h=3 m=43
